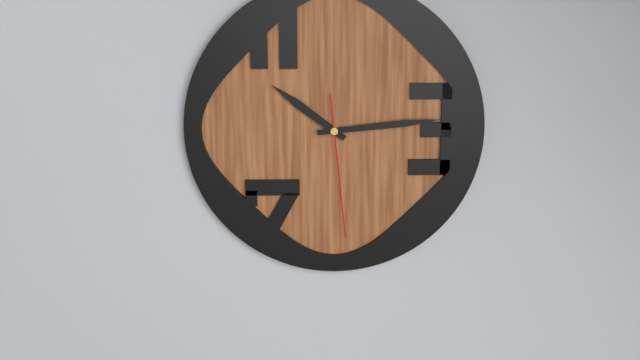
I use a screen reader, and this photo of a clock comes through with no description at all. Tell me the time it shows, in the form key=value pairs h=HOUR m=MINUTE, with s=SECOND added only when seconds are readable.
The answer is h=10 m=14 s=29
